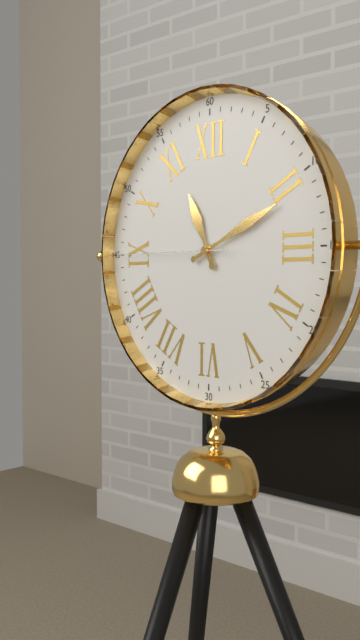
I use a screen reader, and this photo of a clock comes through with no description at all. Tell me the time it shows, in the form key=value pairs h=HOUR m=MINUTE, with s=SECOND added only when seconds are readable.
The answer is h=11 m=11 s=45
